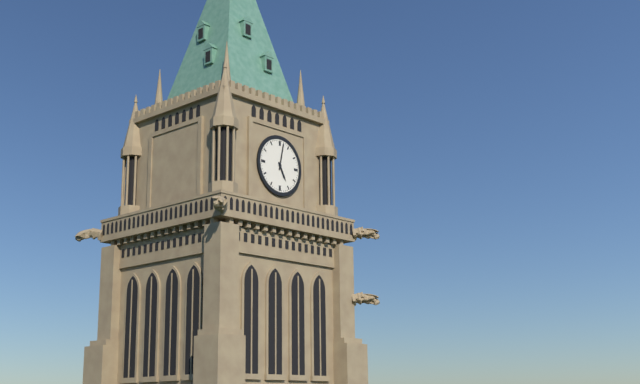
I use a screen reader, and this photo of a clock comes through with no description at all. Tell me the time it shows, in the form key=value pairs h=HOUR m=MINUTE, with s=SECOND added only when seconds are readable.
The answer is h=5 m=2
